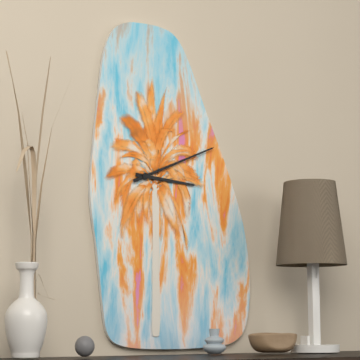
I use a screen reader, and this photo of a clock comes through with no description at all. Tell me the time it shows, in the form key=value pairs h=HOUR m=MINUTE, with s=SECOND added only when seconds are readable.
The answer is h=3 m=11
